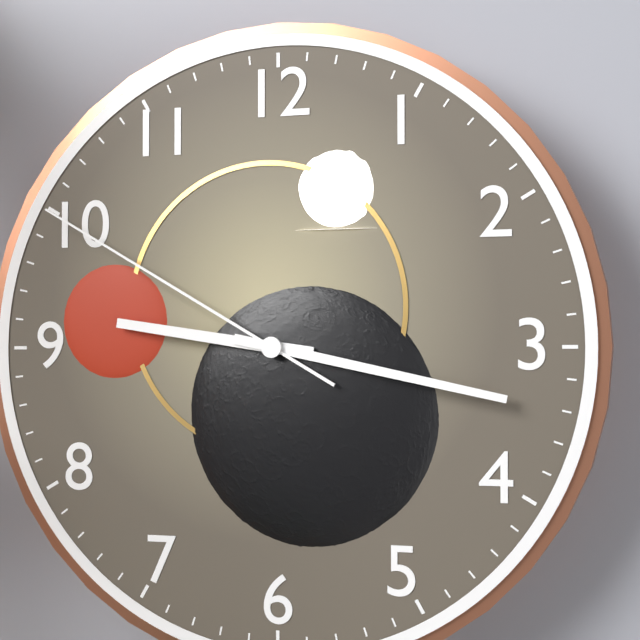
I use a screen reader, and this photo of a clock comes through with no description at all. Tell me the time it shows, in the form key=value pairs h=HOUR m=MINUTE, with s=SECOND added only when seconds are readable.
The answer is h=9 m=17 s=50
